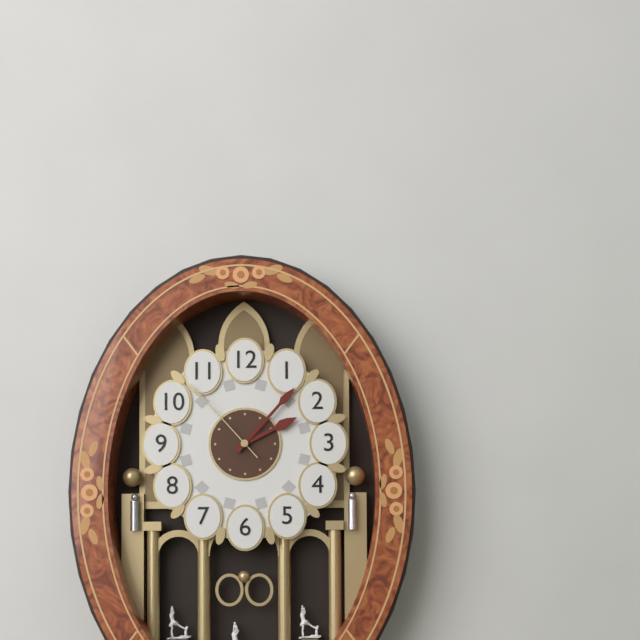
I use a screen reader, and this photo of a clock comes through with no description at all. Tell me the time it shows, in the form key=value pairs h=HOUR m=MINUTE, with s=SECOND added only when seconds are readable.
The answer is h=2 m=7 s=53
